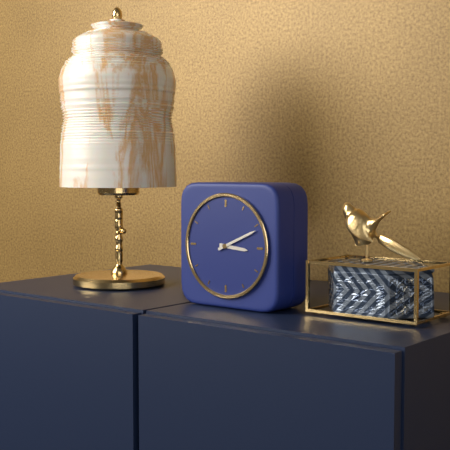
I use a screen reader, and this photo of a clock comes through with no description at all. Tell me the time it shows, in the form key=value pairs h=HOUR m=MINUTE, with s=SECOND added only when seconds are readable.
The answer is h=3 m=11
